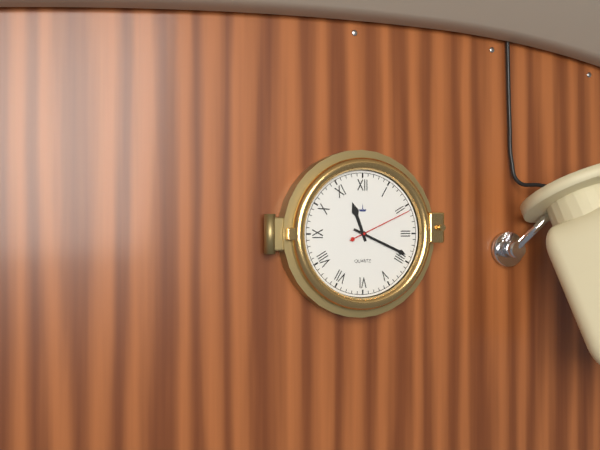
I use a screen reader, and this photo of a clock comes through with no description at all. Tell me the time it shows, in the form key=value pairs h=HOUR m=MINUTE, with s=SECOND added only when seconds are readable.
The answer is h=11 m=19 s=11
